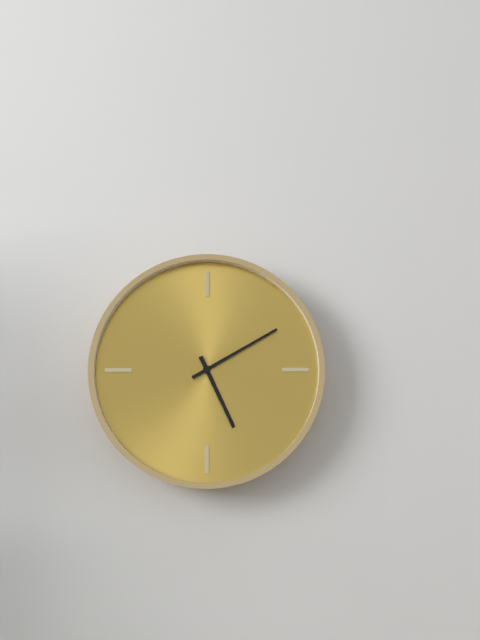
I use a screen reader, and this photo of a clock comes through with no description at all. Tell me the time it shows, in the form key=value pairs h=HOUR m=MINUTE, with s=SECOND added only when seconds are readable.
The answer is h=5 m=10
